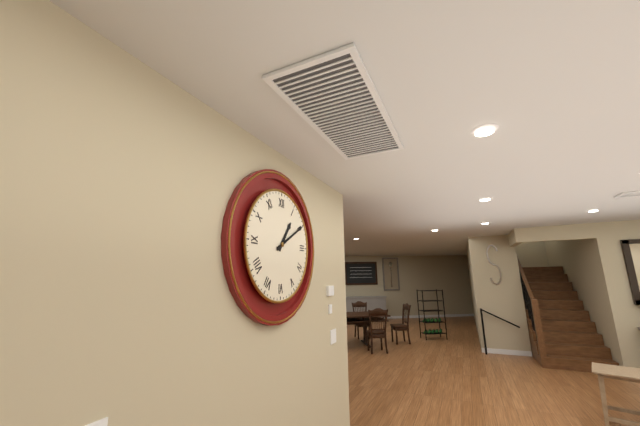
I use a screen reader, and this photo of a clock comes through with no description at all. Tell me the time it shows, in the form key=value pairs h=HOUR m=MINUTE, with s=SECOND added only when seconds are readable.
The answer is h=1 m=10
